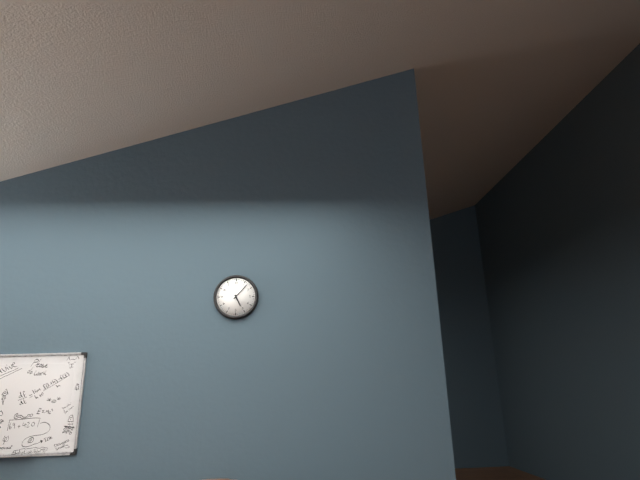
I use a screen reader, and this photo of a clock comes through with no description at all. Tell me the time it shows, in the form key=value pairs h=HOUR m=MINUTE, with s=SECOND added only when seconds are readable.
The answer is h=5 m=7
